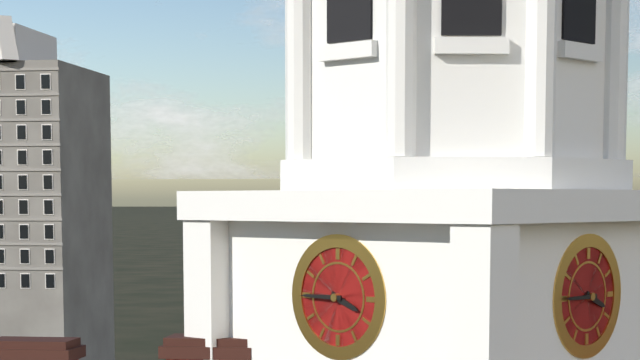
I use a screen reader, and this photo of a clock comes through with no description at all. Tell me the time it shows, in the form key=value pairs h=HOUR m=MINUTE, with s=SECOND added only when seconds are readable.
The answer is h=3 m=45
